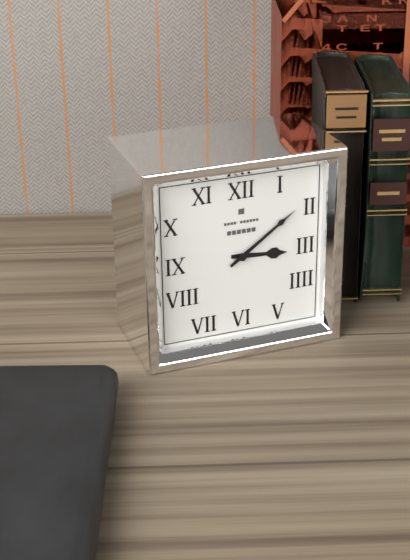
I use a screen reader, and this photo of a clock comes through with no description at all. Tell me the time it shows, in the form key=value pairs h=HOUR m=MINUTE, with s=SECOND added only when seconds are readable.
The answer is h=3 m=9
